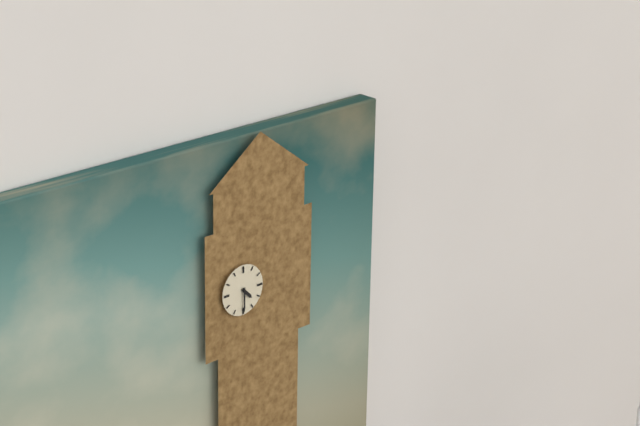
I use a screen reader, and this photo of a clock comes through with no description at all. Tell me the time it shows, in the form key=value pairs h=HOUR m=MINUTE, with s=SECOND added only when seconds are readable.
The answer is h=4 m=30
